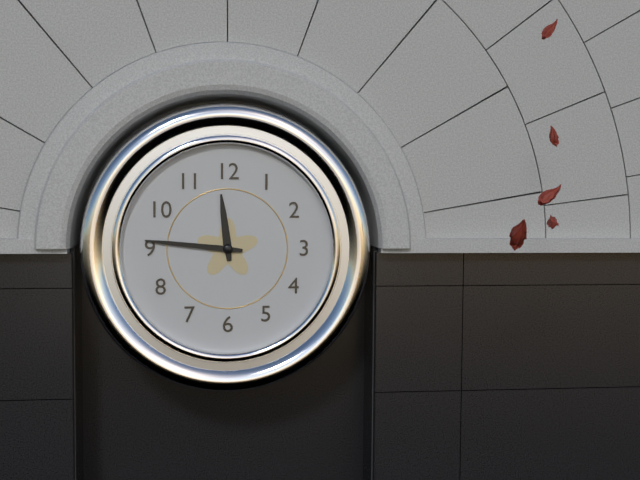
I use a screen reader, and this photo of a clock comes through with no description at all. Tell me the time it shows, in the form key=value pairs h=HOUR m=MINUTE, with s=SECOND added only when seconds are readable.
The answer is h=11 m=46
